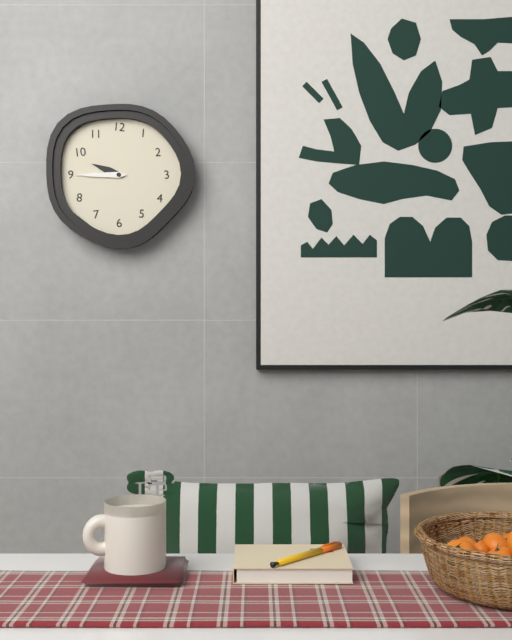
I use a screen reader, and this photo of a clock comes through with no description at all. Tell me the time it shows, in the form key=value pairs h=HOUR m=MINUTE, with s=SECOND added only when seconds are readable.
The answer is h=9 m=45
